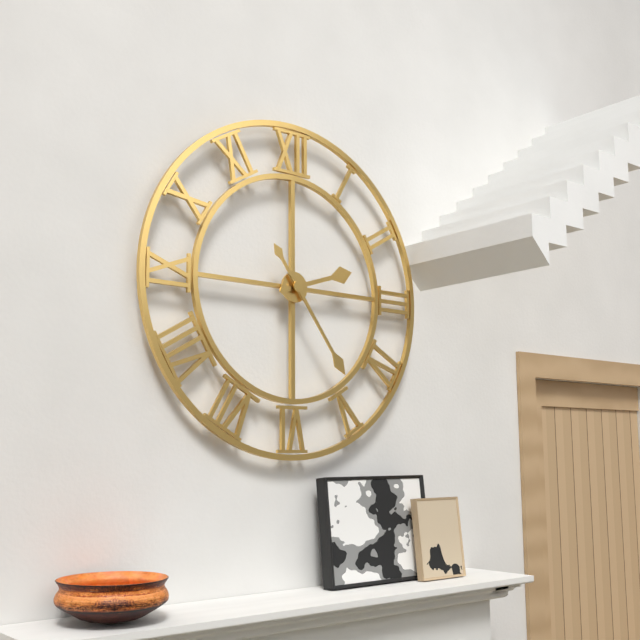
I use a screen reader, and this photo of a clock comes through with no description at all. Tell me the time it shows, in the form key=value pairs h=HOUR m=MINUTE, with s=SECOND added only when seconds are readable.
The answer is h=2 m=24
